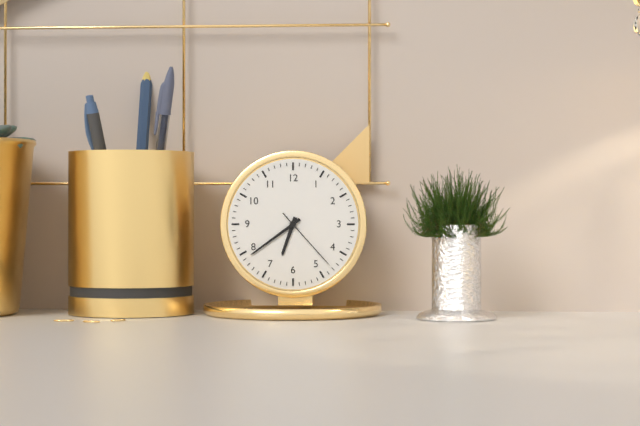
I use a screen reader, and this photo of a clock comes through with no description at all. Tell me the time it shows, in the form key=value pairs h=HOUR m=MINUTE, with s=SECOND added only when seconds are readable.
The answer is h=6 m=39 s=23
